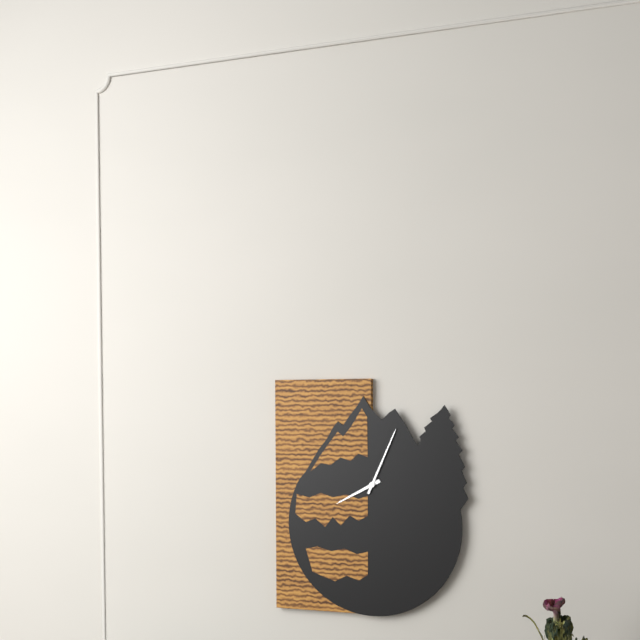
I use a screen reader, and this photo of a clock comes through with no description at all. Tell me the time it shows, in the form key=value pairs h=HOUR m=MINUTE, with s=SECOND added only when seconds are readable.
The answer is h=8 m=4
